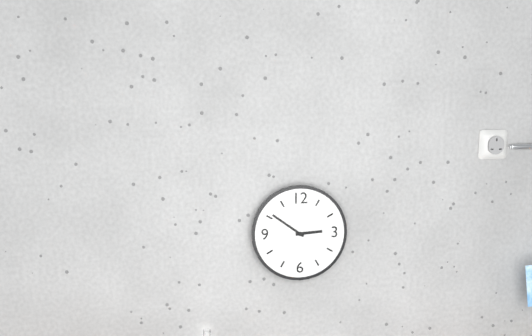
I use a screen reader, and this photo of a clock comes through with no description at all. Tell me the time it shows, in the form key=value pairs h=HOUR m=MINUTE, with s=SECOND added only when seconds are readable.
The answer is h=2 m=51
